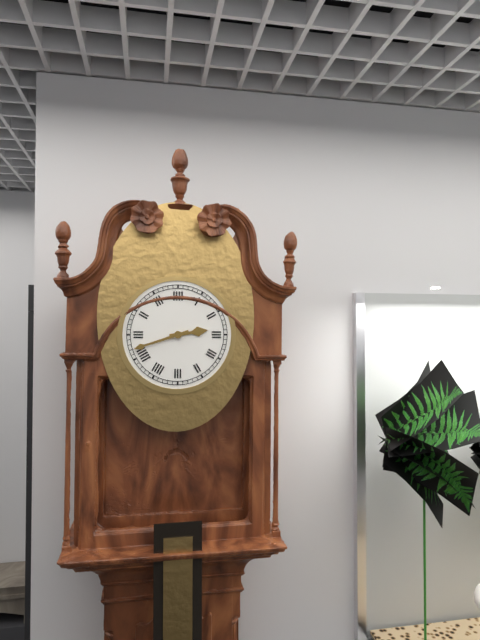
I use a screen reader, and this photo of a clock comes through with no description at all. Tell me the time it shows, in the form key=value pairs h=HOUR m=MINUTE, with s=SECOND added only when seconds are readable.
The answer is h=2 m=42
